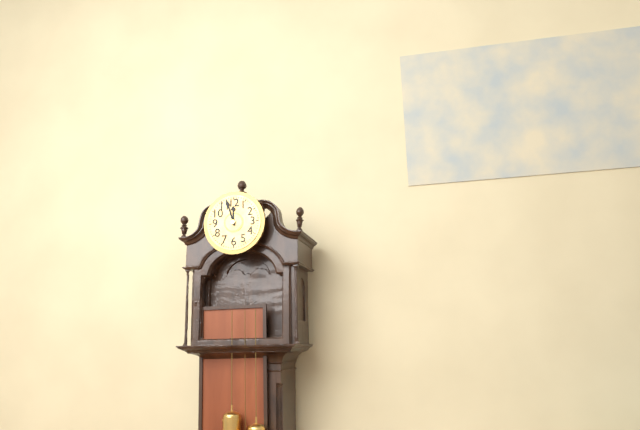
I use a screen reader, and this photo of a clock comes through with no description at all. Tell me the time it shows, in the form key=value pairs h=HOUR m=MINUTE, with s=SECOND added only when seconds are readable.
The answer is h=11 m=57
